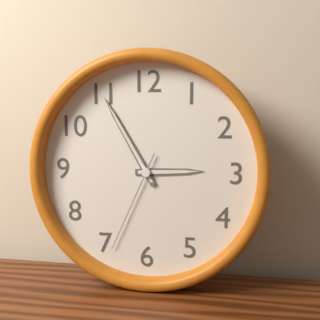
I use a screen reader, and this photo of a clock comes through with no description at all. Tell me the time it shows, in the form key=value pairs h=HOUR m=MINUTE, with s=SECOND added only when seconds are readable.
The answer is h=2 m=55 s=34
